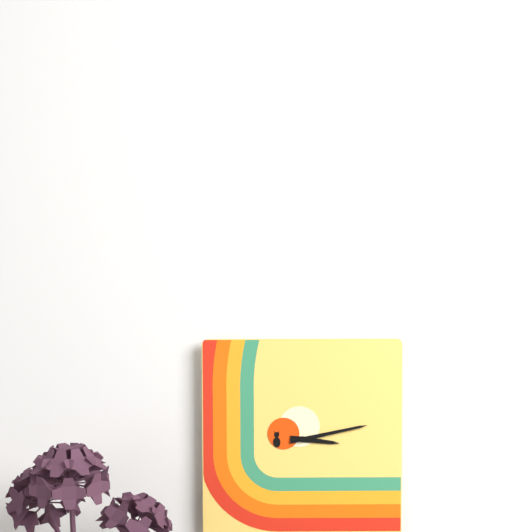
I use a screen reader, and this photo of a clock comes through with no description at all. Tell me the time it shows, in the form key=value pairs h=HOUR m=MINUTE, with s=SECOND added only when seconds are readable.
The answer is h=3 m=13
